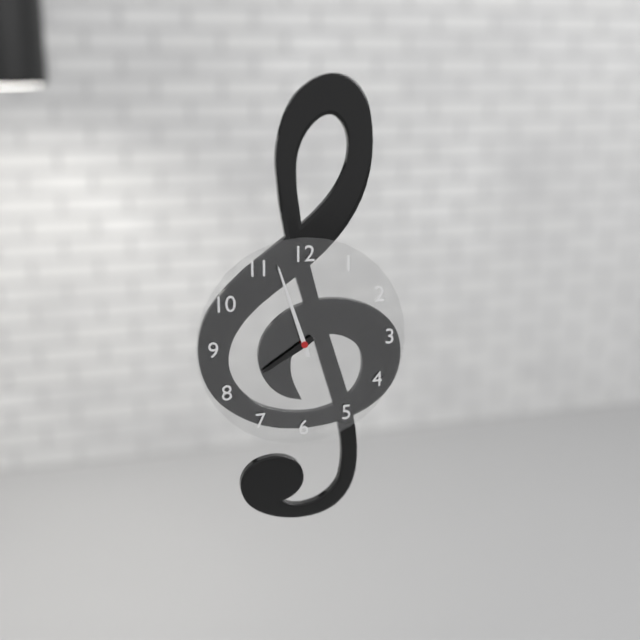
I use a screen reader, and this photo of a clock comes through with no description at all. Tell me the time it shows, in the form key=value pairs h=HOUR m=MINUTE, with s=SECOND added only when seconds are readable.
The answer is h=7 m=57
